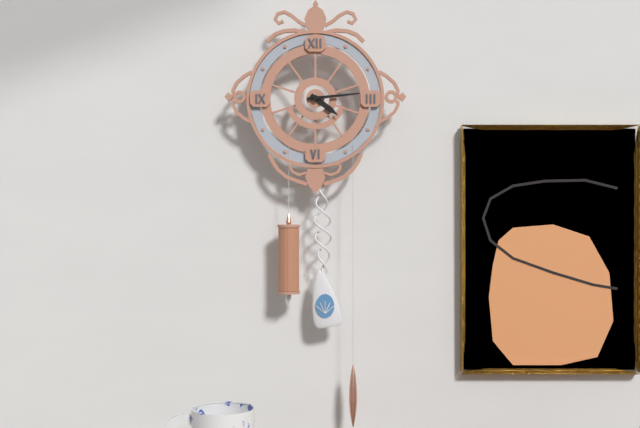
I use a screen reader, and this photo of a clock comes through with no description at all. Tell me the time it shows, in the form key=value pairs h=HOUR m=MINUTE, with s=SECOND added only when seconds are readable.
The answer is h=4 m=14
